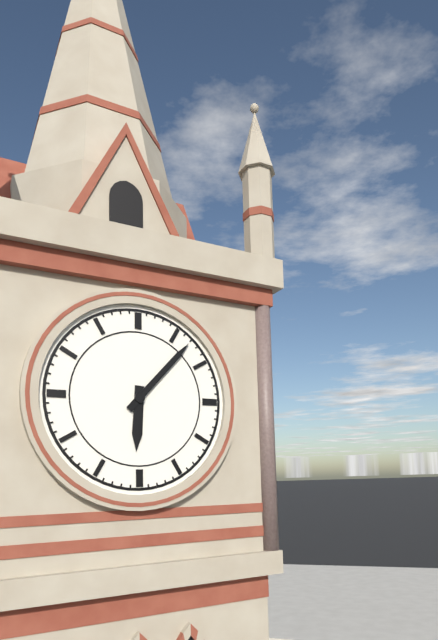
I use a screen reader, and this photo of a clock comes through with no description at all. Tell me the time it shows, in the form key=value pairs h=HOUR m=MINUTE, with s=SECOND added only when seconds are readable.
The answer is h=6 m=7
